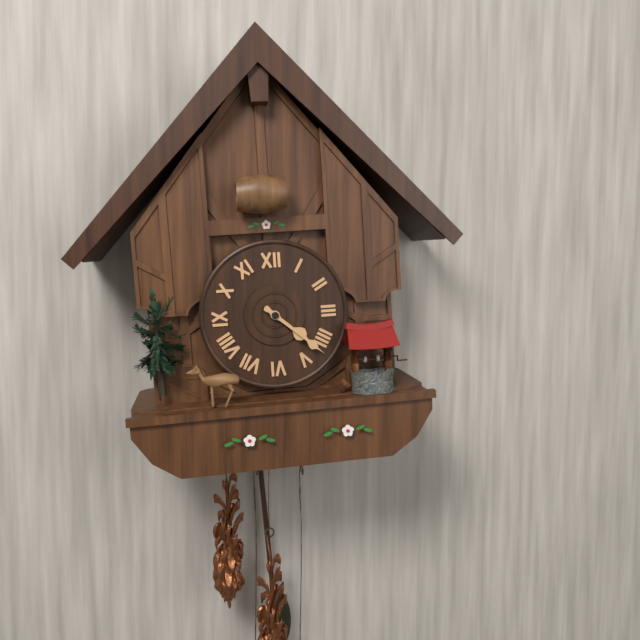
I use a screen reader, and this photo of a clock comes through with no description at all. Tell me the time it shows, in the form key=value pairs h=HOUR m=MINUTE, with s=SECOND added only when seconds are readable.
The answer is h=4 m=22
